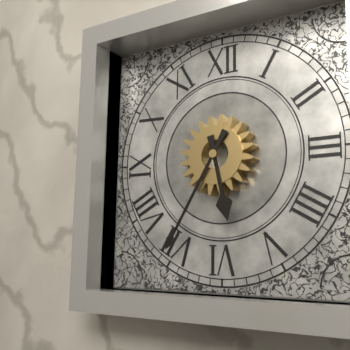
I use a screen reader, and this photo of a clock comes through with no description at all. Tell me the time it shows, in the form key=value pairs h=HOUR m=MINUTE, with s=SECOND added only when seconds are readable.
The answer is h=5 m=35
